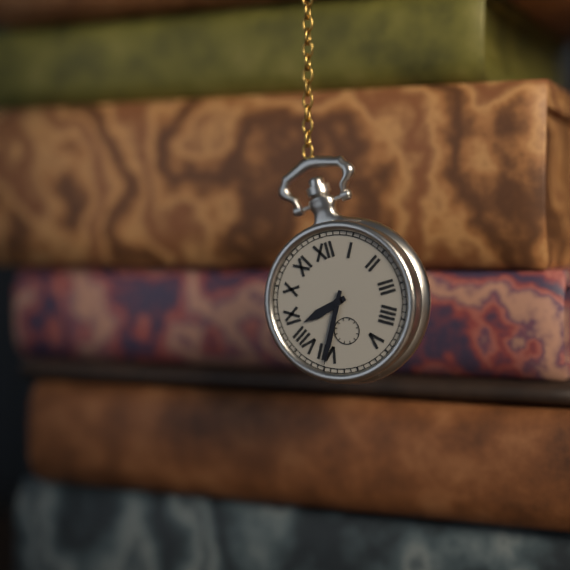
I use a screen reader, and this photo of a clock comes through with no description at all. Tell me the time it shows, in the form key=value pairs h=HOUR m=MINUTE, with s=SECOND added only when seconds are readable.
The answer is h=8 m=35
